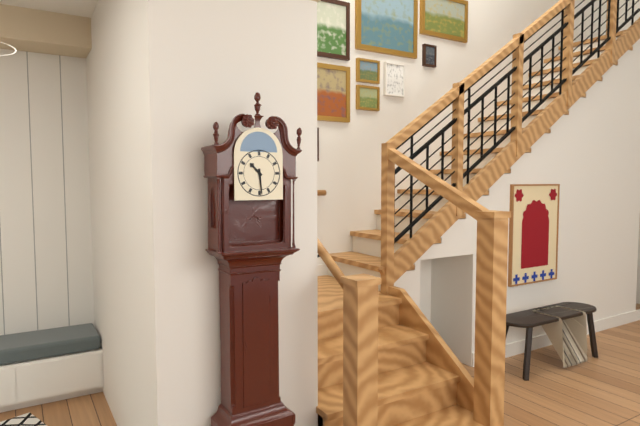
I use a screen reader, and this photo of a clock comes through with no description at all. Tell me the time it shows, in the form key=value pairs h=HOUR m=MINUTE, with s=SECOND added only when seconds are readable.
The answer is h=10 m=29
